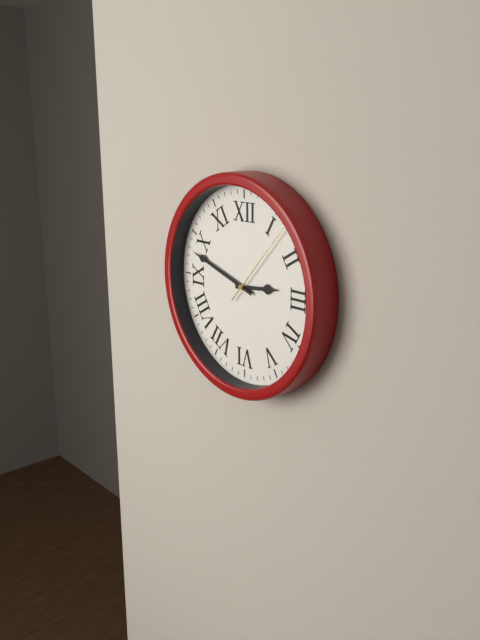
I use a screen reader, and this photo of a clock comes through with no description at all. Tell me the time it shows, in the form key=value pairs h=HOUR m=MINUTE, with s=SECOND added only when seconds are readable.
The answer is h=2 m=48 s=7
